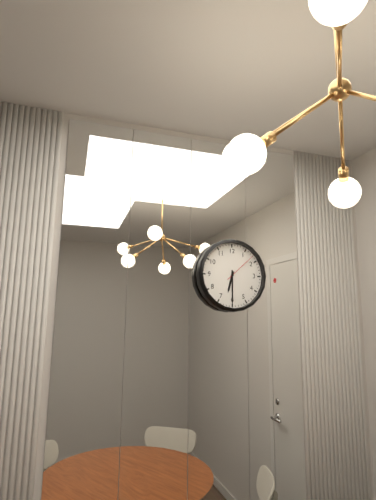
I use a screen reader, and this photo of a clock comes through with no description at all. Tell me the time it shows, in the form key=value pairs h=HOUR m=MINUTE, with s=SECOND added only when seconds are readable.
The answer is h=6 m=30
